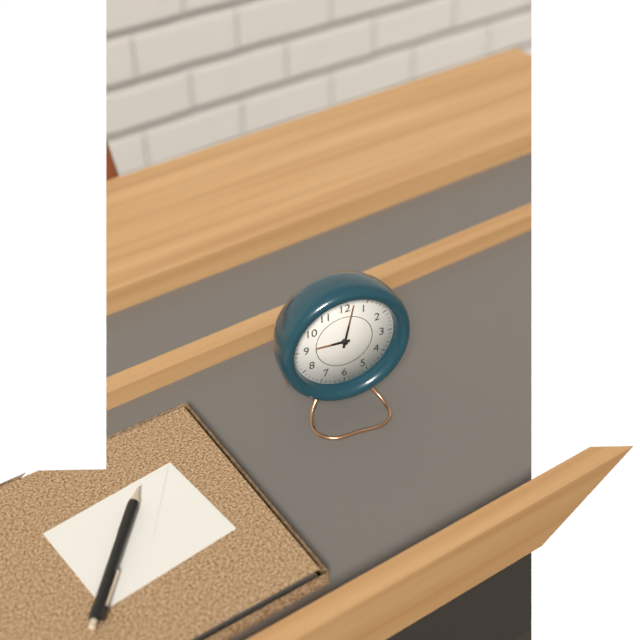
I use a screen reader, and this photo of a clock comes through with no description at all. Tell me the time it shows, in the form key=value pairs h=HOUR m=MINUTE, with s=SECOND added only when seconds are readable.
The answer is h=9 m=2
